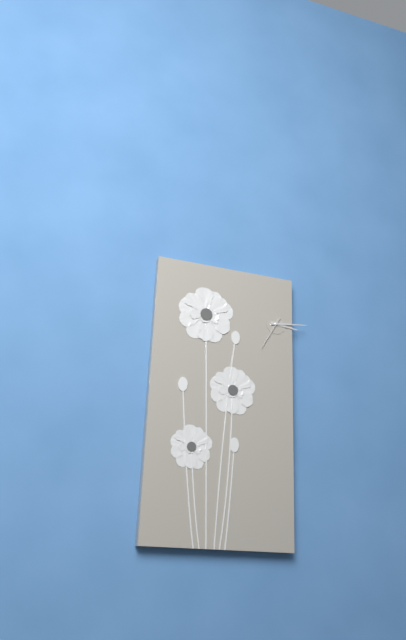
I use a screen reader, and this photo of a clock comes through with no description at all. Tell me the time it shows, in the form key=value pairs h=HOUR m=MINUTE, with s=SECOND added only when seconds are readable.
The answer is h=3 m=14
